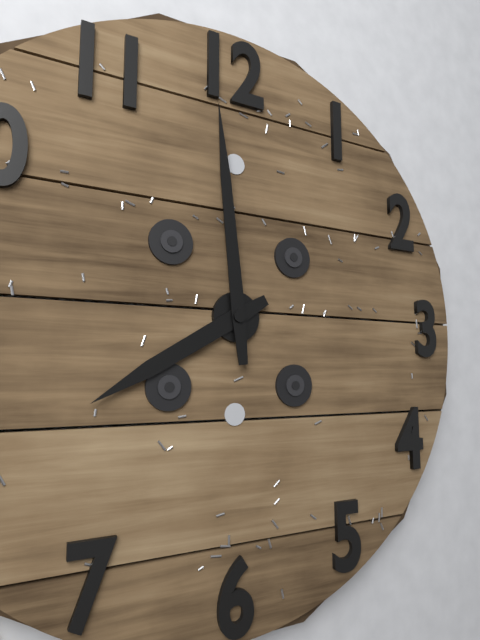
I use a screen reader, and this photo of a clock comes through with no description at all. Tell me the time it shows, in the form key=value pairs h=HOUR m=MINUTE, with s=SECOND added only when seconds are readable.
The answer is h=7 m=59
